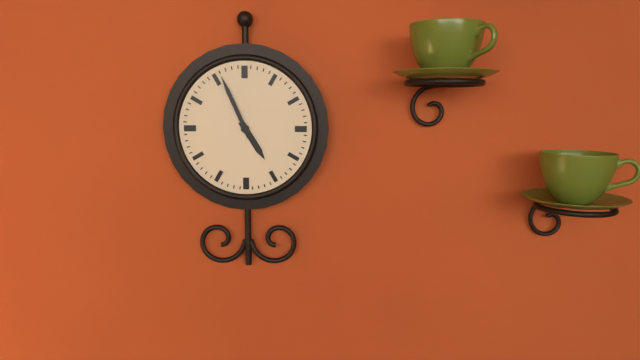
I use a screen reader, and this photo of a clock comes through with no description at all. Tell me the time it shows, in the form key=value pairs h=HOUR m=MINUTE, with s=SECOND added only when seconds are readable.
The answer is h=4 m=56
